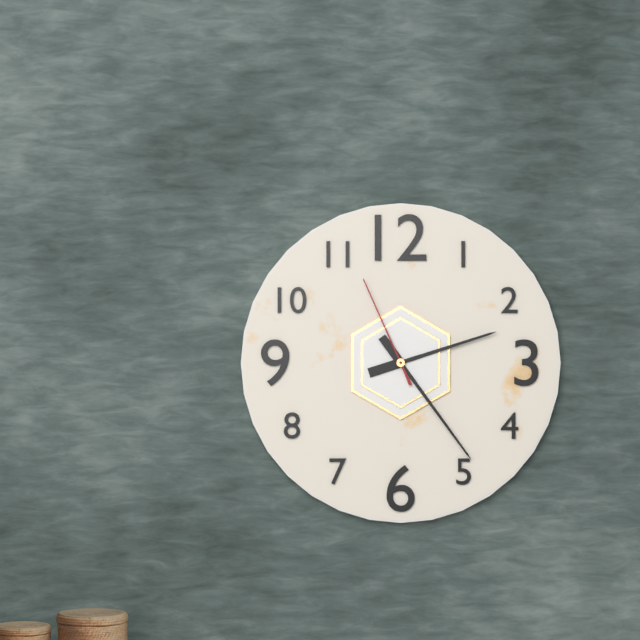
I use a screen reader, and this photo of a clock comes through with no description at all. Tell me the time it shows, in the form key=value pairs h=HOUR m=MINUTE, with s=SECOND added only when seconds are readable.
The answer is h=2 m=24 s=56
